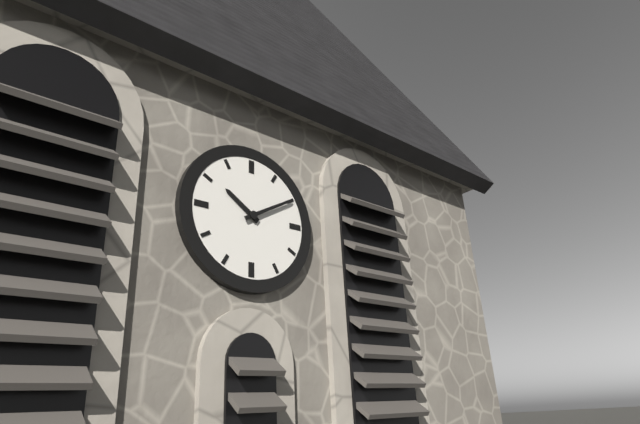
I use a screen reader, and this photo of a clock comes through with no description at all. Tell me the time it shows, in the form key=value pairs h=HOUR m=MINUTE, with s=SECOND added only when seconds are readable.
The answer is h=10 m=10
